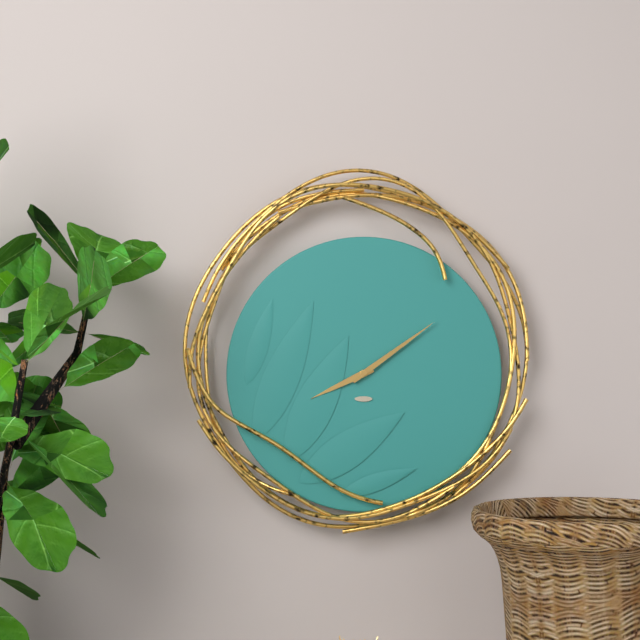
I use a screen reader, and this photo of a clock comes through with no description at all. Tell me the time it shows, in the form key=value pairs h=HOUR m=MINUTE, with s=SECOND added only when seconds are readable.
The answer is h=8 m=9
